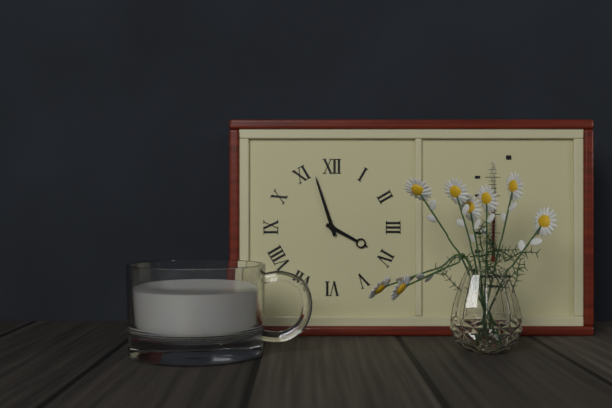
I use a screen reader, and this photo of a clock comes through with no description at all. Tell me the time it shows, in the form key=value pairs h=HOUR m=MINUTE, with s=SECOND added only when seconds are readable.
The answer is h=3 m=57
